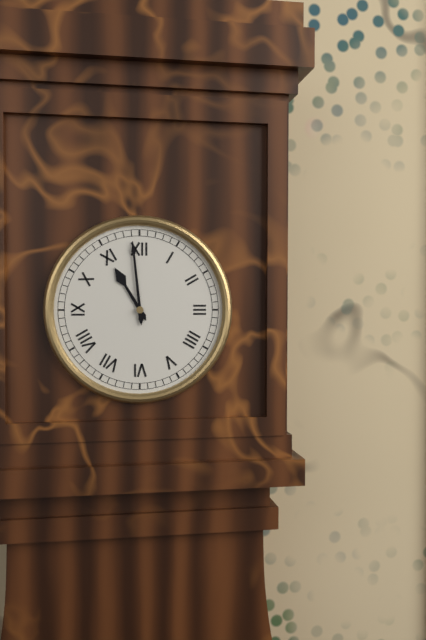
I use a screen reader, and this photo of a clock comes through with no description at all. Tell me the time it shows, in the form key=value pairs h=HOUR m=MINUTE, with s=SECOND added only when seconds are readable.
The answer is h=10 m=59
